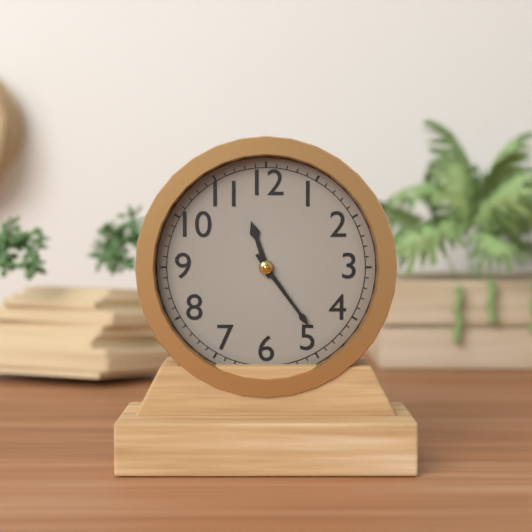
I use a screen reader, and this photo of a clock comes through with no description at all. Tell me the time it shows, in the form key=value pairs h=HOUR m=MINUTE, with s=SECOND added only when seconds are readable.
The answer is h=11 m=24
